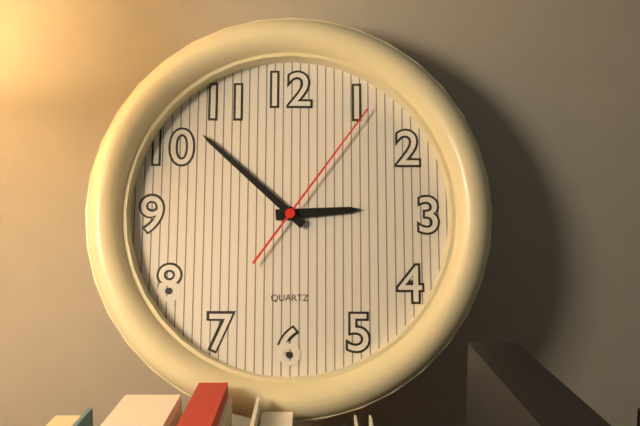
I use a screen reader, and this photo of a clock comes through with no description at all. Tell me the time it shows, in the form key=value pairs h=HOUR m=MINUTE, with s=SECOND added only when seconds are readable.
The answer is h=2 m=52 s=6
